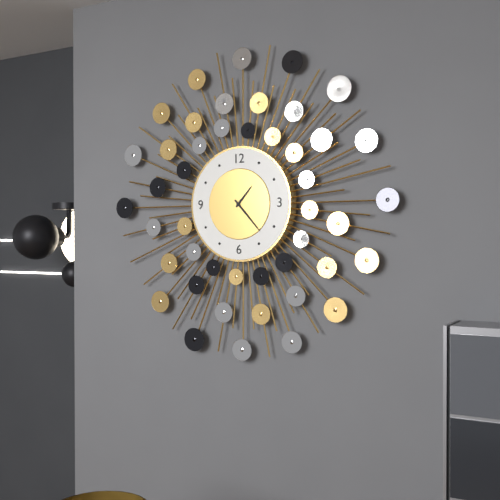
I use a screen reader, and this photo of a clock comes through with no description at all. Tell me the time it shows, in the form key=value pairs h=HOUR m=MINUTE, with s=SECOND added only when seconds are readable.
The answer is h=1 m=23
